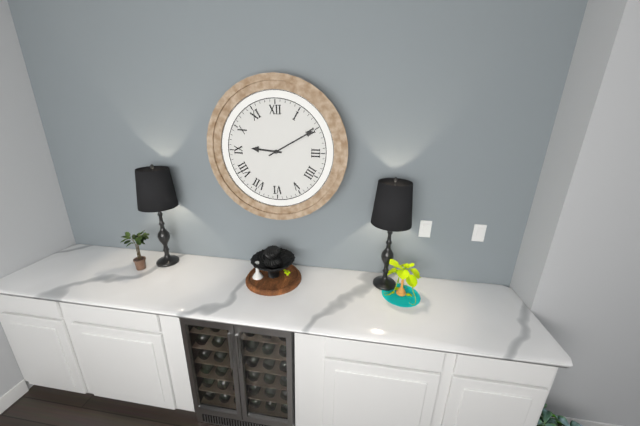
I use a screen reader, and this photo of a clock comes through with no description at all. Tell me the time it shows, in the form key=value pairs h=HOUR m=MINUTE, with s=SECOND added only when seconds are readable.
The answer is h=9 m=10
